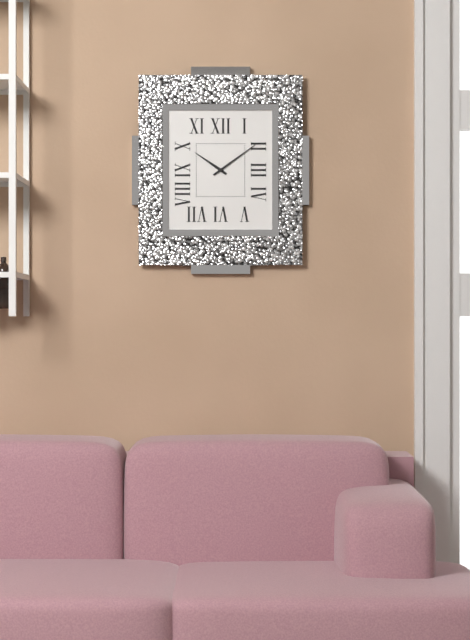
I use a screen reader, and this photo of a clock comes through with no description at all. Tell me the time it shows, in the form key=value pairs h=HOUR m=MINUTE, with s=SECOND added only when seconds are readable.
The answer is h=10 m=9
